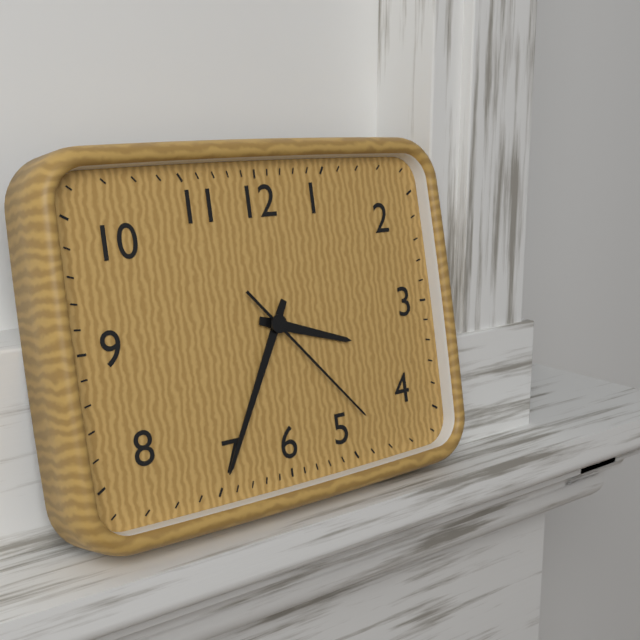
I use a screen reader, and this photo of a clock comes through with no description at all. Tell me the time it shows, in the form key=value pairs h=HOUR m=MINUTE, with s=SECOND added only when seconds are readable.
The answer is h=3 m=35 s=23
